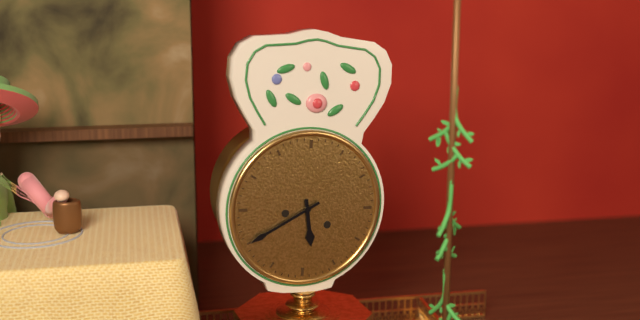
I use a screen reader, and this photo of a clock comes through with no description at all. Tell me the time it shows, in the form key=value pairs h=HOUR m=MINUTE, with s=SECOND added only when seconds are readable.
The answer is h=5 m=40
